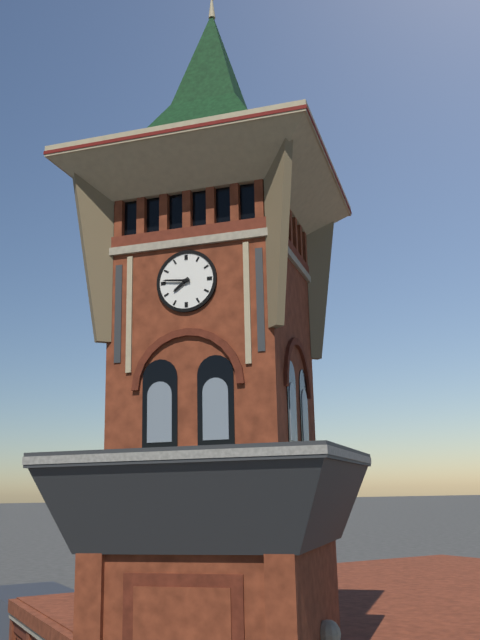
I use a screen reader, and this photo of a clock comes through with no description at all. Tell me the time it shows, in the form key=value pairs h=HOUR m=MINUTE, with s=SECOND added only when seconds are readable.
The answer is h=7 m=46
